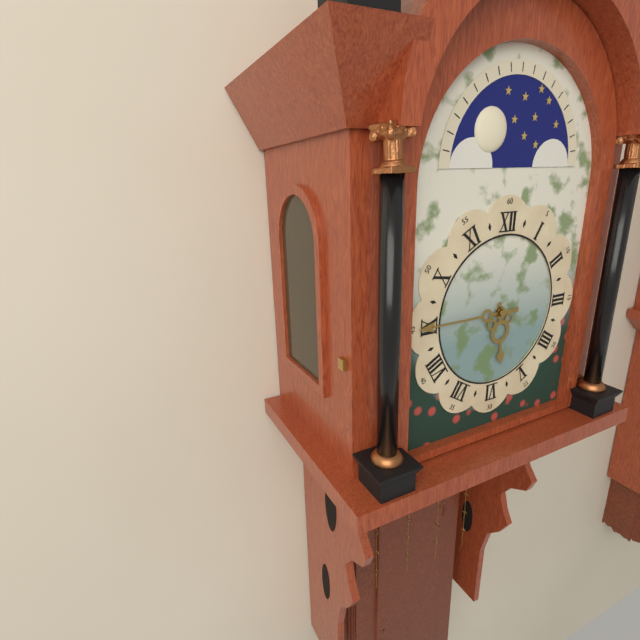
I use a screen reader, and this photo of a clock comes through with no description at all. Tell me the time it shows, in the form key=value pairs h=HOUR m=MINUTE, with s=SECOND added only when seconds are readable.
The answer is h=5 m=45
